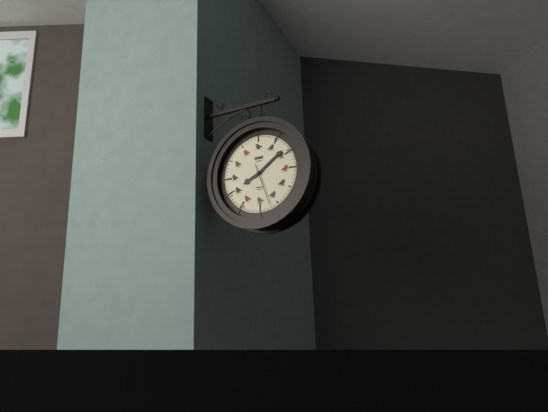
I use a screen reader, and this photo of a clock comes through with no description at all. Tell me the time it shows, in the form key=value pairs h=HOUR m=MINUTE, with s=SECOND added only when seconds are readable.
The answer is h=8 m=9
